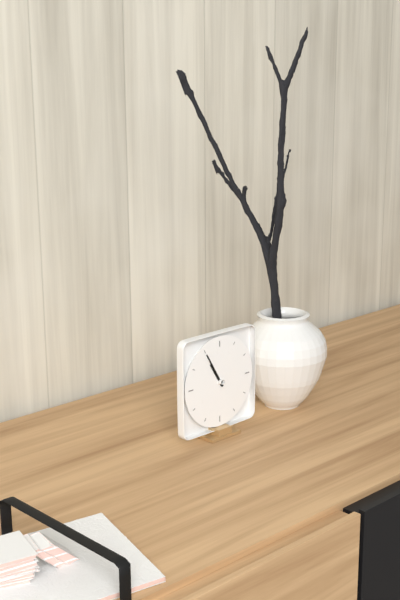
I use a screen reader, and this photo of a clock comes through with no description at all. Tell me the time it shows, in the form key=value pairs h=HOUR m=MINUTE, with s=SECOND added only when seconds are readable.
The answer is h=10 m=55
